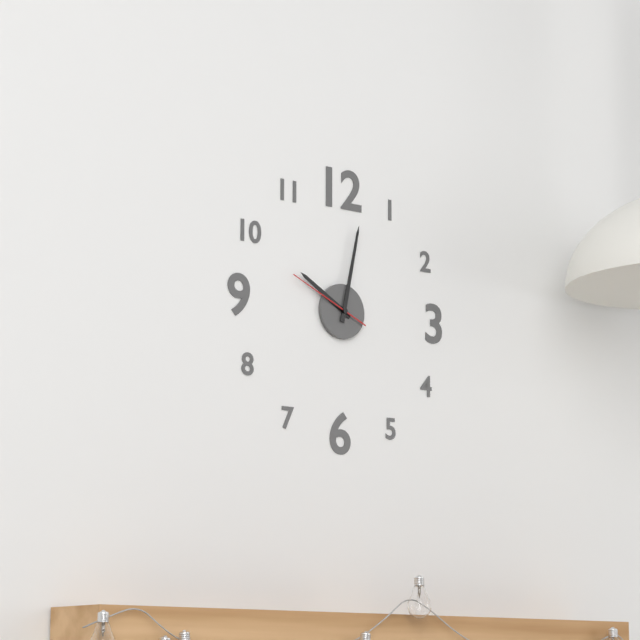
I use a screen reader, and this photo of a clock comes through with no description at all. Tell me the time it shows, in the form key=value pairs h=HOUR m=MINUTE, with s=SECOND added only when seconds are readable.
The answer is h=10 m=2 s=49
